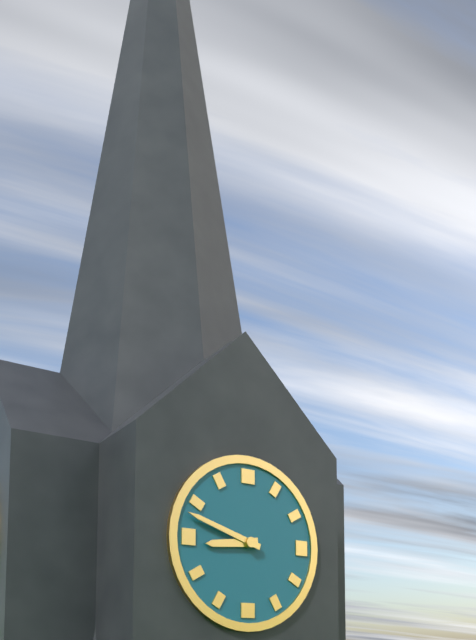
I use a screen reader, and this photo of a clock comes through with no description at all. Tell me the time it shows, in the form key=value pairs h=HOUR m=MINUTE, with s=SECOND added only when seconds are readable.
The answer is h=8 m=48
